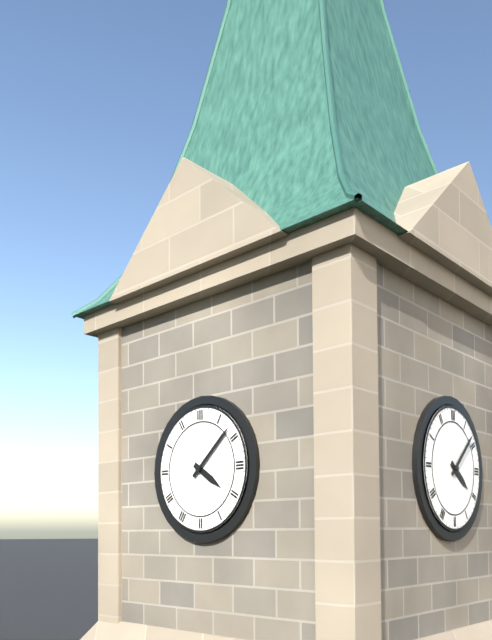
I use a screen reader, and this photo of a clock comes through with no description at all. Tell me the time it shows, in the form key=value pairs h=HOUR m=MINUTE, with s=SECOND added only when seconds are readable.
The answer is h=4 m=8
